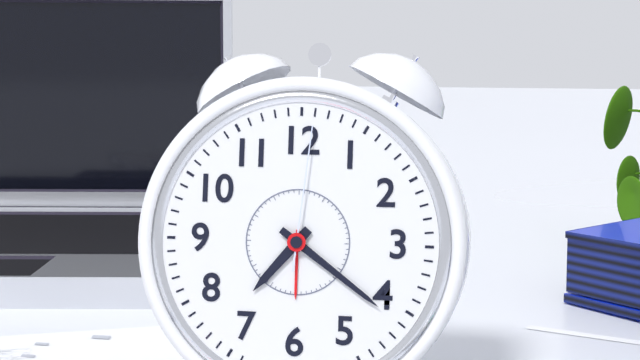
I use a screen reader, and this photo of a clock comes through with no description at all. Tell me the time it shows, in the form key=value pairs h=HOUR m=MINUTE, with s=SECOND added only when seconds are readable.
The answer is h=7 m=21 s=1
